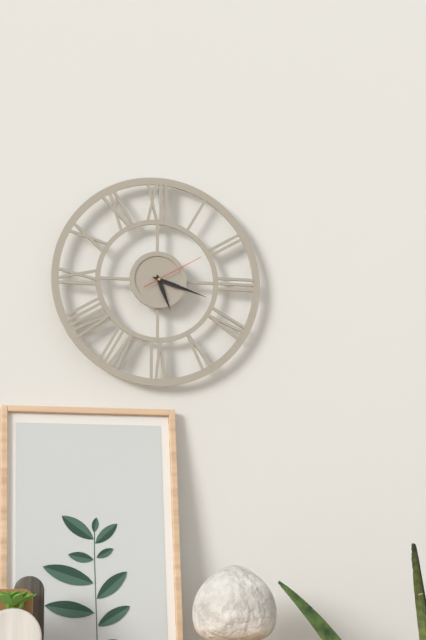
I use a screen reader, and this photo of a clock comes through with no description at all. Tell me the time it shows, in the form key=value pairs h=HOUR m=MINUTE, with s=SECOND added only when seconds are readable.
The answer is h=5 m=18 s=10
